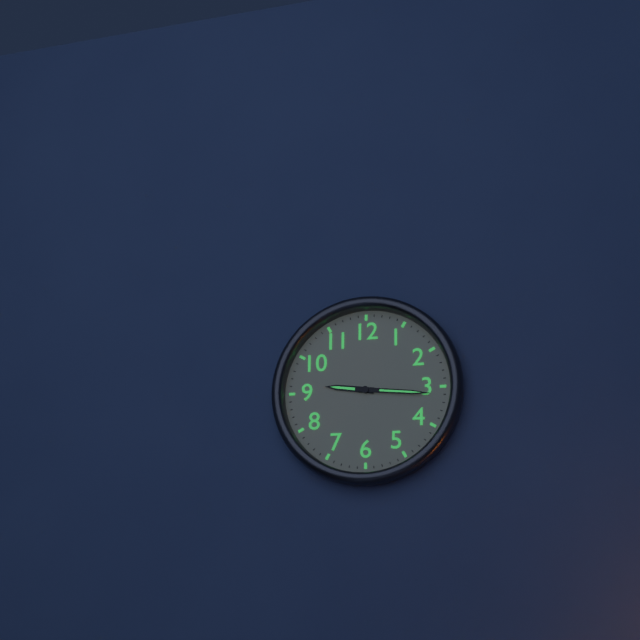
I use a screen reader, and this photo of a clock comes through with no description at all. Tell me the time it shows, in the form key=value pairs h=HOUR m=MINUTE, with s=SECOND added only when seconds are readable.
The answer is h=9 m=16
